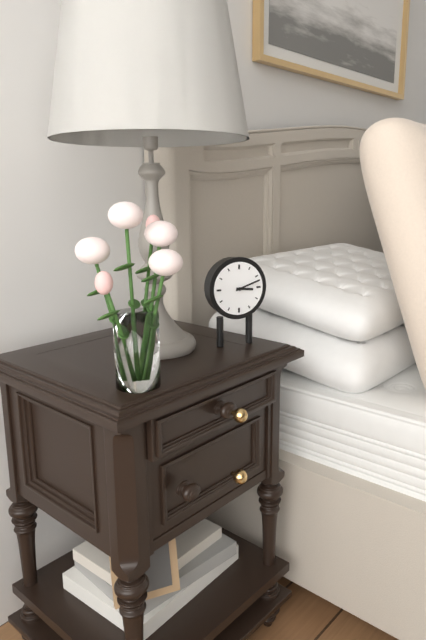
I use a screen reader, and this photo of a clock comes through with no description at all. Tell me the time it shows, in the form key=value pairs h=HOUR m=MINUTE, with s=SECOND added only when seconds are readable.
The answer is h=3 m=12
